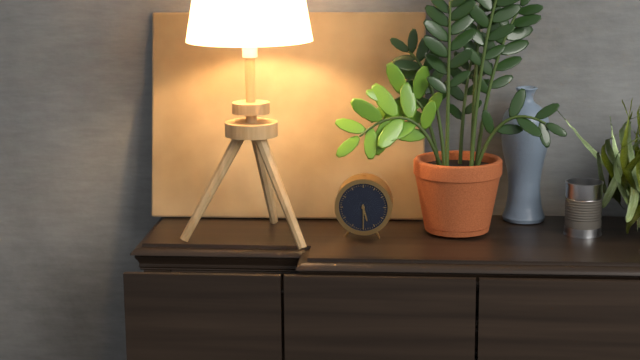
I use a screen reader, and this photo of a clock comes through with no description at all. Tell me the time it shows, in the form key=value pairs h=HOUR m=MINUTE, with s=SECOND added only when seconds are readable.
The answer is h=5 m=30
